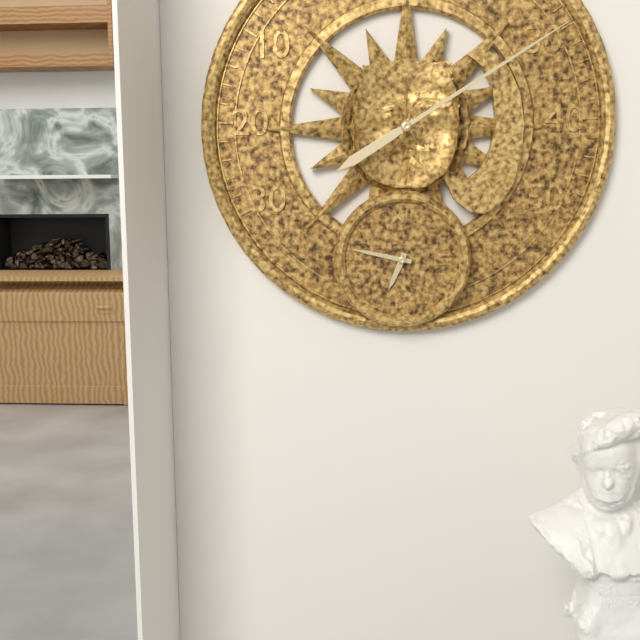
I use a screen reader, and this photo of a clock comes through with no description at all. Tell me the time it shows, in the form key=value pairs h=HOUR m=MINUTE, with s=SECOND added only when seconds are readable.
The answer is h=6 m=47
